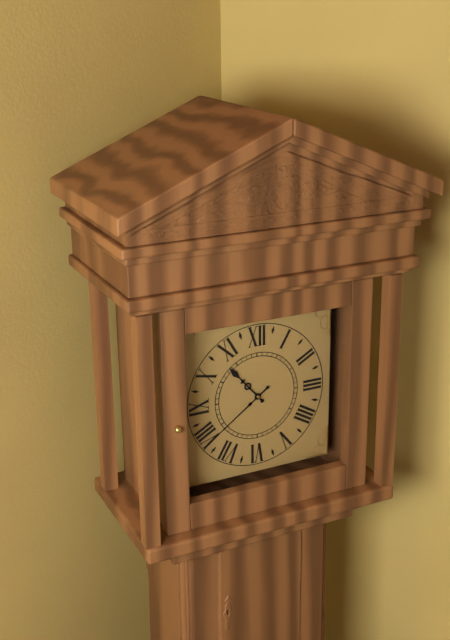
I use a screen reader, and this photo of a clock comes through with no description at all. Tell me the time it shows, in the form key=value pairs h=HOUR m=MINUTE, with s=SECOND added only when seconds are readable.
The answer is h=10 m=39
